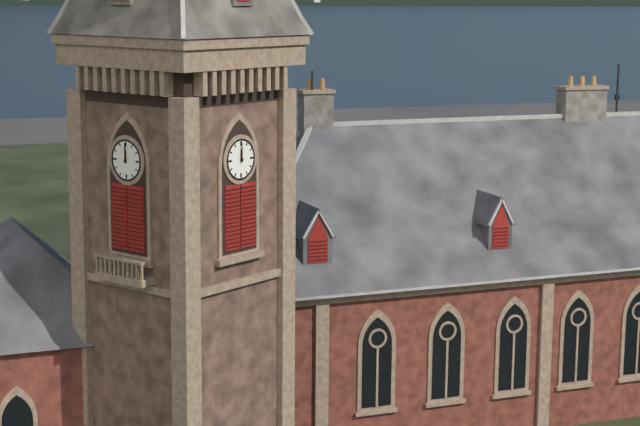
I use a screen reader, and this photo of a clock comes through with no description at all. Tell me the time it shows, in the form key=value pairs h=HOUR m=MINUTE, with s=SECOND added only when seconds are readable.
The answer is h=12 m=0
